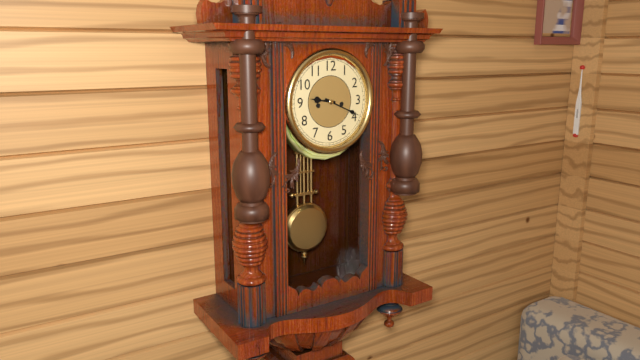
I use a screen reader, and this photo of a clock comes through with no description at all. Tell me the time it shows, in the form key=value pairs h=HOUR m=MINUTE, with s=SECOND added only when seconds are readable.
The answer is h=9 m=19
